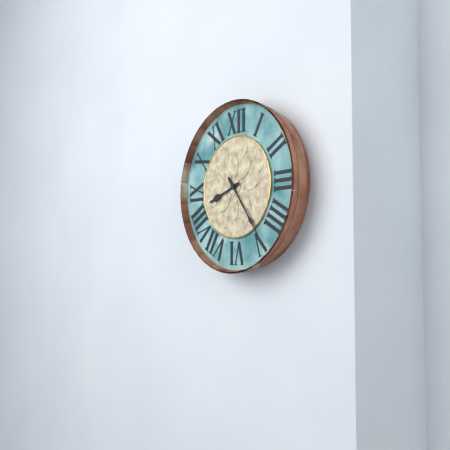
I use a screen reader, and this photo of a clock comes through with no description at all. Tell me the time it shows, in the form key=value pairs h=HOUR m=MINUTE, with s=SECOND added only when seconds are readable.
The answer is h=8 m=24
